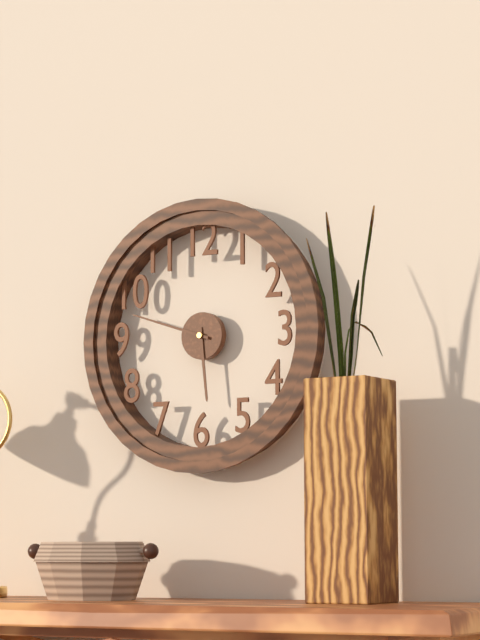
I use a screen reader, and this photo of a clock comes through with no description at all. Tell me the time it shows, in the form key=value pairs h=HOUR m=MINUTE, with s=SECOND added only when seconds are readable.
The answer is h=5 m=48
